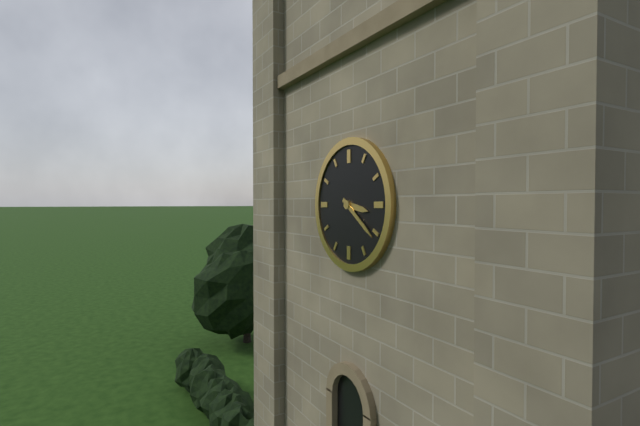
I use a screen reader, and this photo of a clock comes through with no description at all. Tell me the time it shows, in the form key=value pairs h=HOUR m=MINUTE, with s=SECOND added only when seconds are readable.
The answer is h=3 m=21
